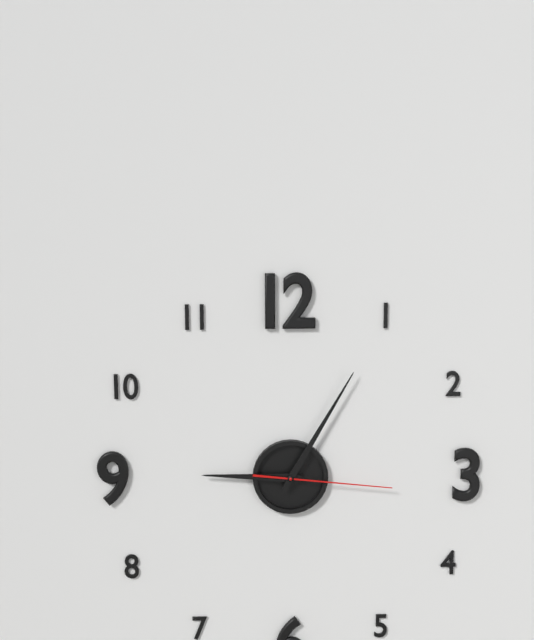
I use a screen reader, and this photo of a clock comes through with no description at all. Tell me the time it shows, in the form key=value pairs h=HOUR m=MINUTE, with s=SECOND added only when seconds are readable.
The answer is h=9 m=5 s=16
